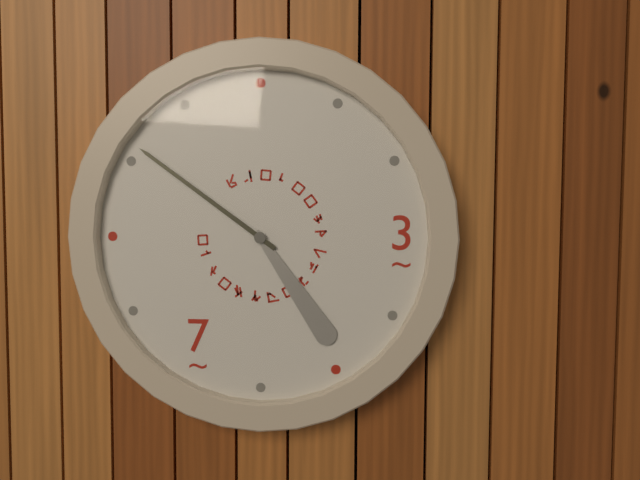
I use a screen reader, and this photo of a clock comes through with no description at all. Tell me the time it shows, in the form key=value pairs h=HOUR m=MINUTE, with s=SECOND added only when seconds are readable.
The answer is h=4 m=51
